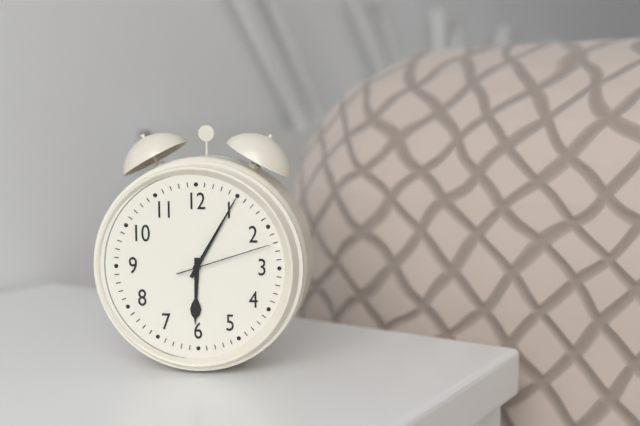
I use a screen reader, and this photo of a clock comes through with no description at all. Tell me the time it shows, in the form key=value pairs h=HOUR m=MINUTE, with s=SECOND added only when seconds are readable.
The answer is h=6 m=5 s=12
